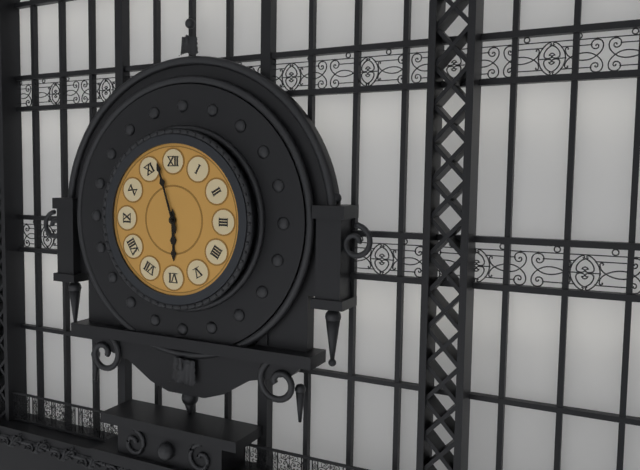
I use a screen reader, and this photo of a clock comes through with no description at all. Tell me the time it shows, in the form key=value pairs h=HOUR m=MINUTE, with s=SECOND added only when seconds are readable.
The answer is h=5 m=57
